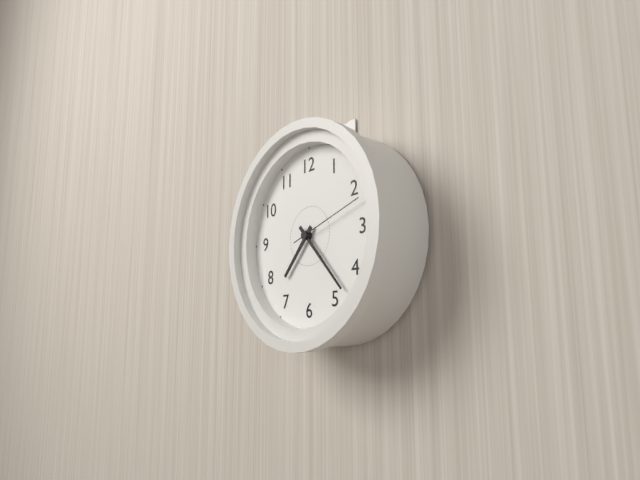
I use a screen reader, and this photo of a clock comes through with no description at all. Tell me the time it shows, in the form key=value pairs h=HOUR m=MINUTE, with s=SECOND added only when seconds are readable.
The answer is h=7 m=23 s=12
